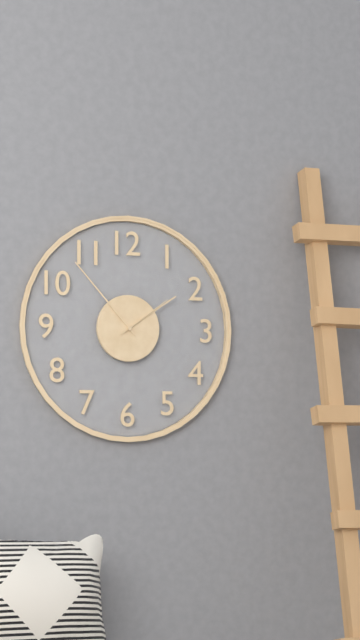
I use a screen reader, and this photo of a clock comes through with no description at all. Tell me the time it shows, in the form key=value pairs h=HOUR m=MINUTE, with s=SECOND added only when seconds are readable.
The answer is h=1 m=53 s=9
